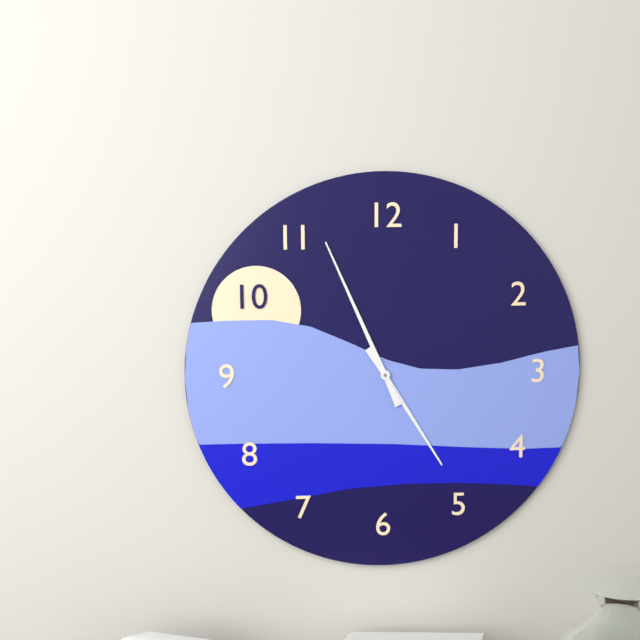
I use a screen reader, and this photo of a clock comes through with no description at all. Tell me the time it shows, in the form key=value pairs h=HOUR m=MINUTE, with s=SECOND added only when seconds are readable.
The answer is h=4 m=56
